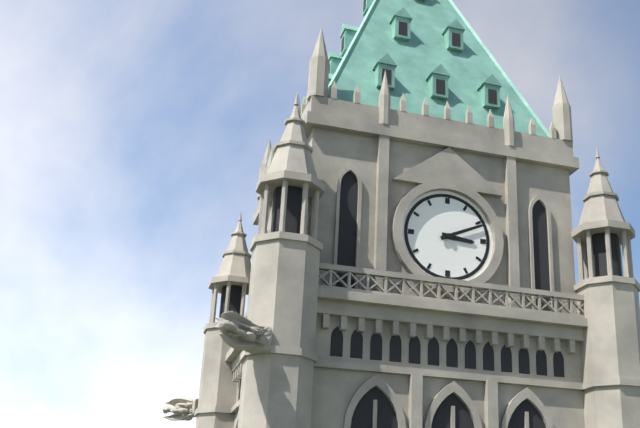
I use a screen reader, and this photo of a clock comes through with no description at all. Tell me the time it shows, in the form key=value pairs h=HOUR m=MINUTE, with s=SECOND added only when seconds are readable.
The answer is h=3 m=11
